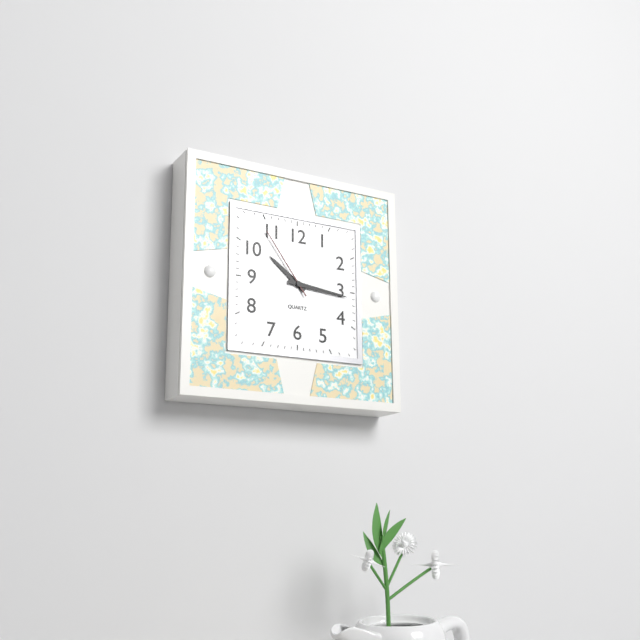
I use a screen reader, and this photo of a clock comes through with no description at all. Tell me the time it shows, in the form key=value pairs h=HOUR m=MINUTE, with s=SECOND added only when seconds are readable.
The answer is h=10 m=16 s=54
